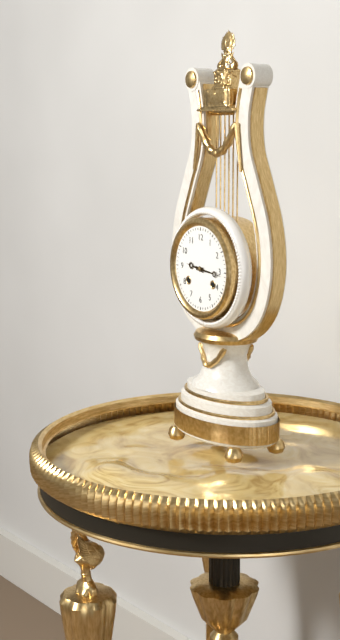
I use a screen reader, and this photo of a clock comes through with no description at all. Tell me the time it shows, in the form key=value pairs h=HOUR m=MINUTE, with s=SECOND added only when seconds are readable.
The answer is h=9 m=16
